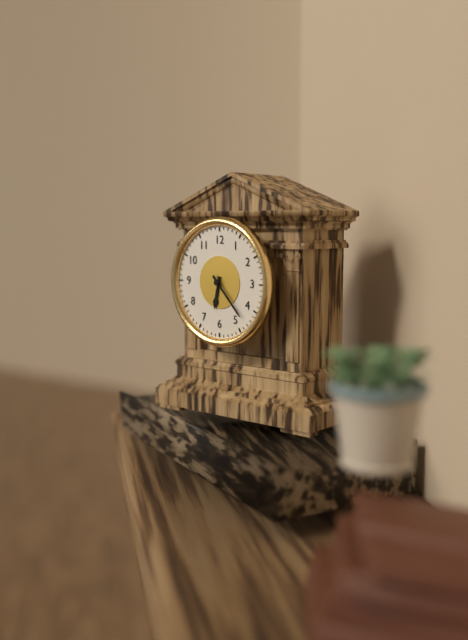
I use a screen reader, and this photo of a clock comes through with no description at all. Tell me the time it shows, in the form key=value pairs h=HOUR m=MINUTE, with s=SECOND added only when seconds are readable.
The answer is h=6 m=23
